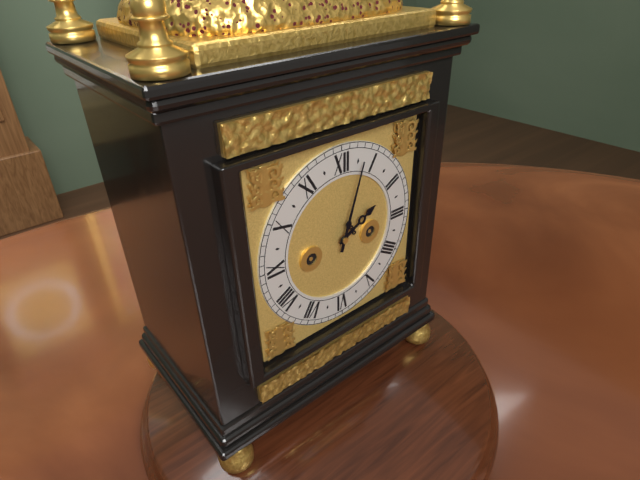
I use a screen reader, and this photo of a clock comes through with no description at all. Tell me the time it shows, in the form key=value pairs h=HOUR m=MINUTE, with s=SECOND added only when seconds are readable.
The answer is h=2 m=3
